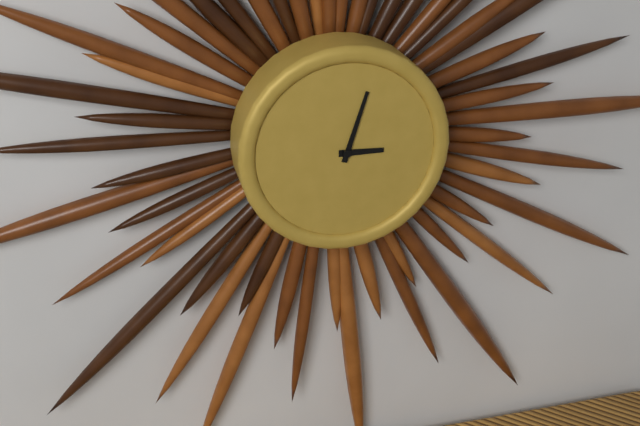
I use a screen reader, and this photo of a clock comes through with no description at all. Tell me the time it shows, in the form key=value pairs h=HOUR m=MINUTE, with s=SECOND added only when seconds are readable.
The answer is h=3 m=3
